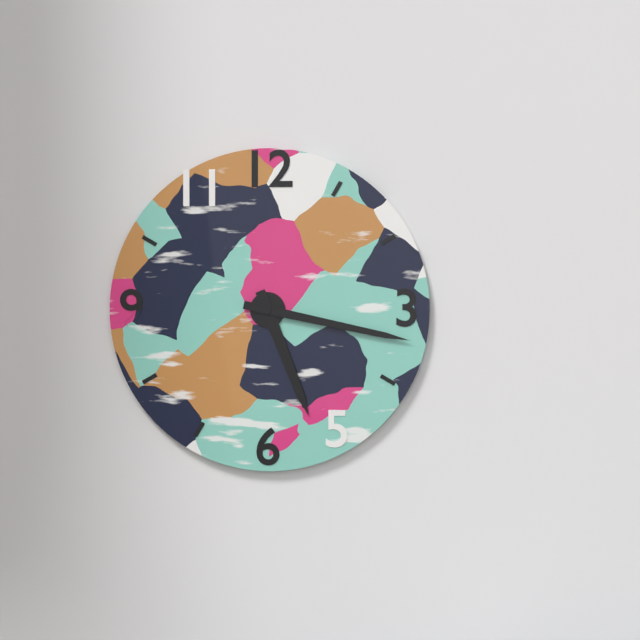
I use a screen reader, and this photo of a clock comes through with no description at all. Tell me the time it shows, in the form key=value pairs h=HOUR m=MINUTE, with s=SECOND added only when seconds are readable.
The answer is h=5 m=17
